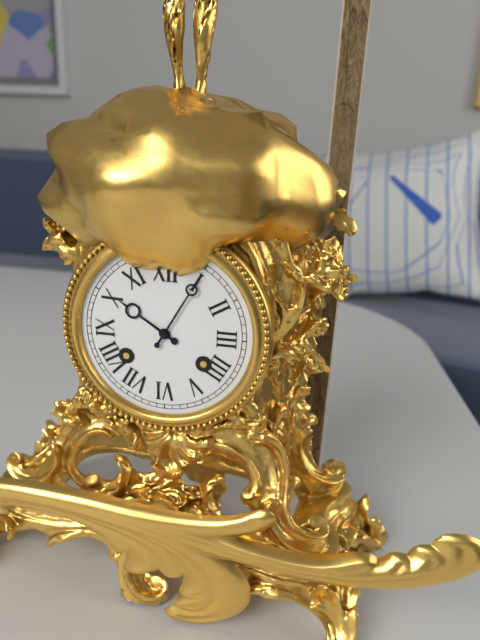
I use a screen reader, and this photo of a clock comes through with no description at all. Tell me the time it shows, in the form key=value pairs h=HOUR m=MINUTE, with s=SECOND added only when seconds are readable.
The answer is h=10 m=5
